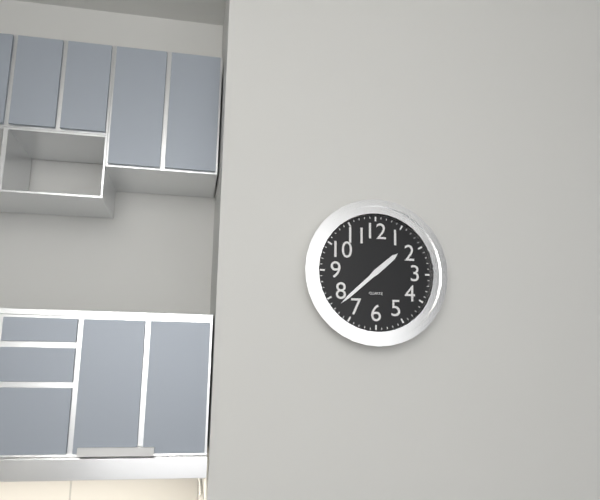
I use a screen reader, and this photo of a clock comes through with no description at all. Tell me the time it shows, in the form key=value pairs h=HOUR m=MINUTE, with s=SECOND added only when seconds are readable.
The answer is h=1 m=38
